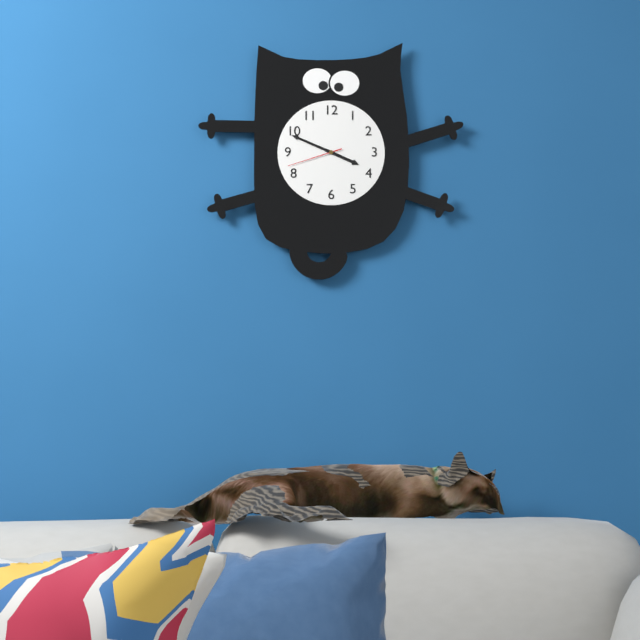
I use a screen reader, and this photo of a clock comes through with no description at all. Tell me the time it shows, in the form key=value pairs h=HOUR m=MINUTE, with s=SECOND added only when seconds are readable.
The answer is h=3 m=49 s=42
